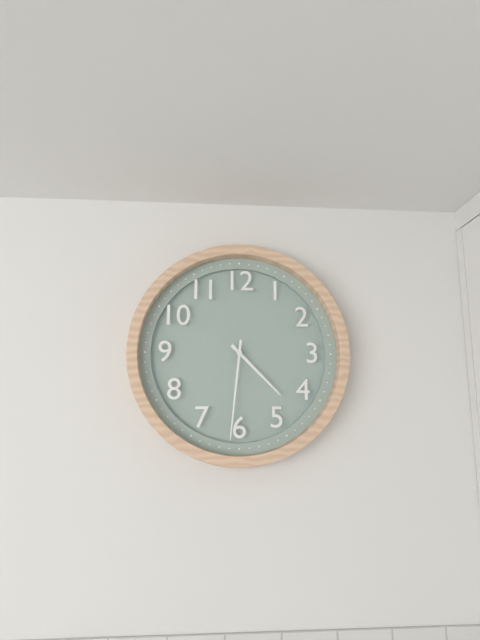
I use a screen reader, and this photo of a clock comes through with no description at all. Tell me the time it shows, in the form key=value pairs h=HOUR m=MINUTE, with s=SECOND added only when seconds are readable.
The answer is h=4 m=31
